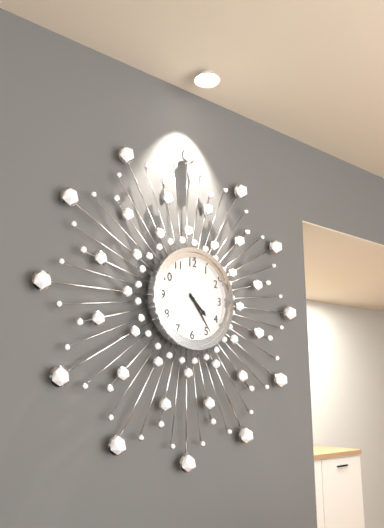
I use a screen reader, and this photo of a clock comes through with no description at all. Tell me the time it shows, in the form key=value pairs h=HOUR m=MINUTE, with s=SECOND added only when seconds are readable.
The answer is h=4 m=24
